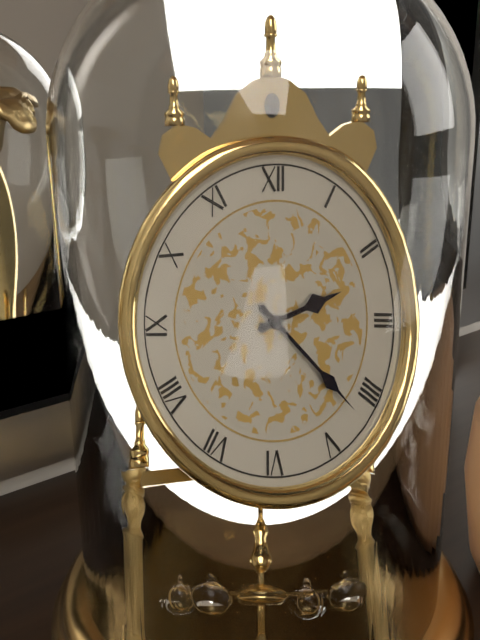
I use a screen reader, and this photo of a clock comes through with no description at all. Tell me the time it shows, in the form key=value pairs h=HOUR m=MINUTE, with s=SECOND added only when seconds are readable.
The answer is h=2 m=22
